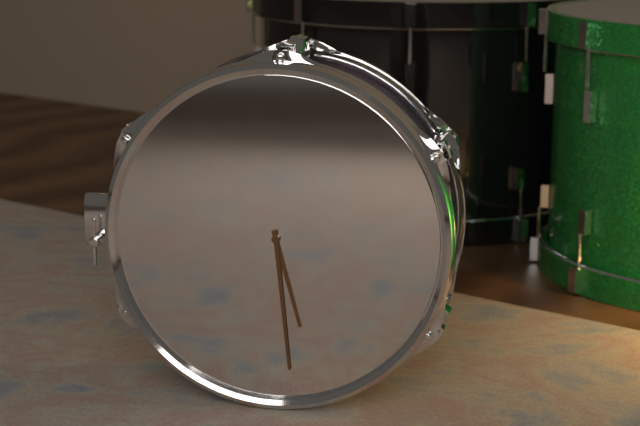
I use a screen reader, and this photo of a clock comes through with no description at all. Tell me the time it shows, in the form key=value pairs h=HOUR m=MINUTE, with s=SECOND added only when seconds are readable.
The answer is h=5 m=29
